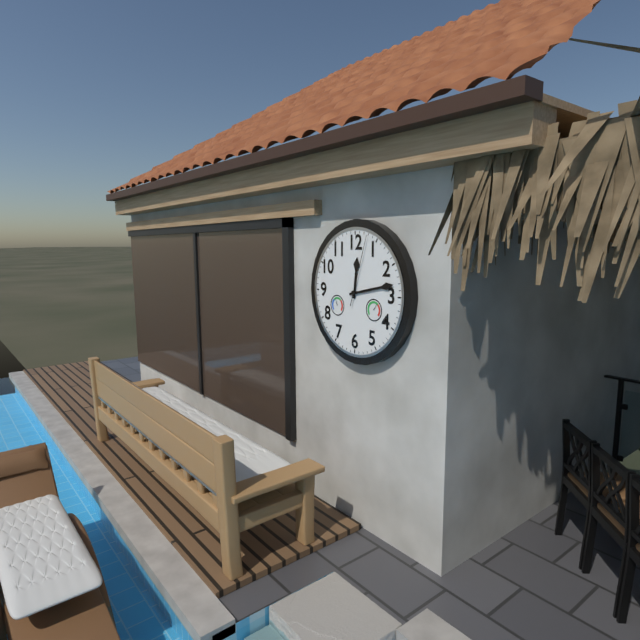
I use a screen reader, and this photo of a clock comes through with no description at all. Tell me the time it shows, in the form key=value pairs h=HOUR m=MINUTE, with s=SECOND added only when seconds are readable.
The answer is h=12 m=13 s=3
